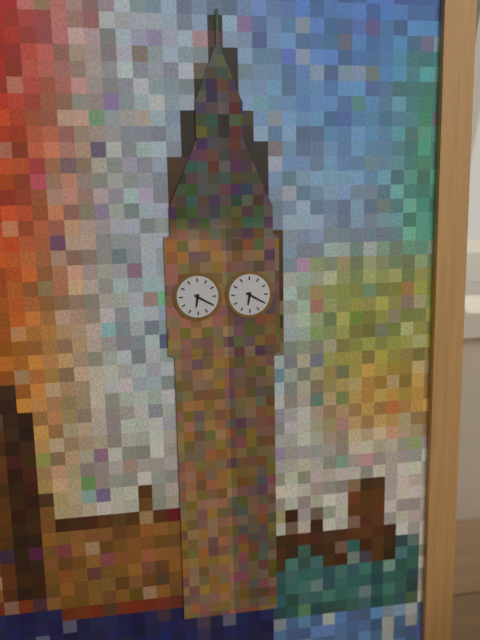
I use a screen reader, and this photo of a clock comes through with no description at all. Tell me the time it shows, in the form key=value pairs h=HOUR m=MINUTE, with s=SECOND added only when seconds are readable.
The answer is h=6 m=20
